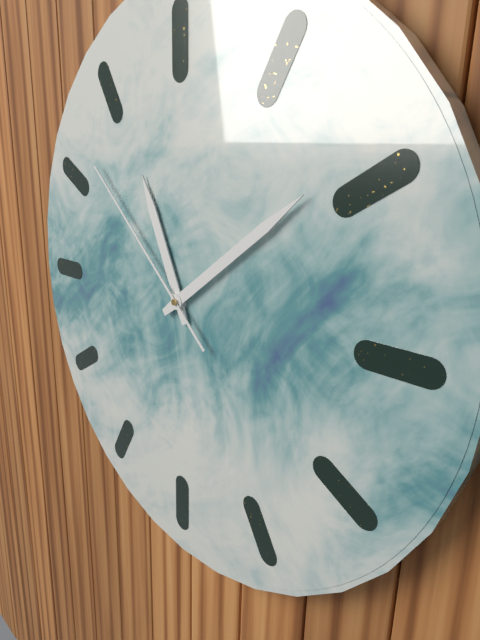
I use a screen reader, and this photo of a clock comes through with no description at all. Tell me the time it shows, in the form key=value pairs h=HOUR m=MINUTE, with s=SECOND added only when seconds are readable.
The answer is h=11 m=9 s=52
